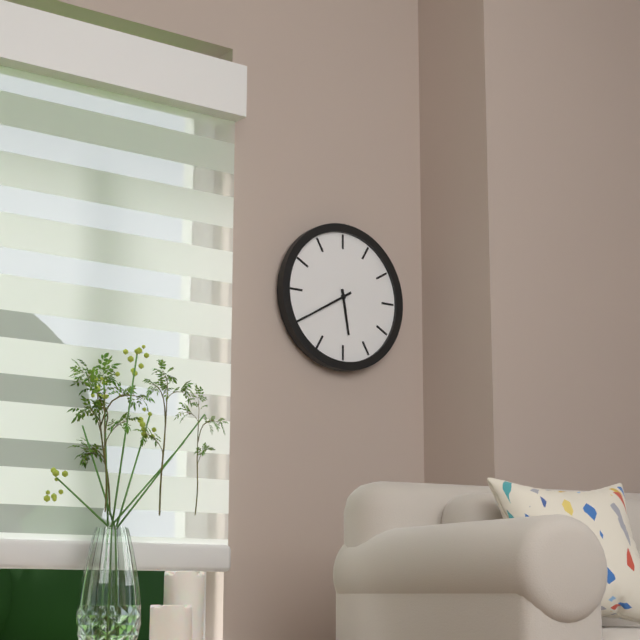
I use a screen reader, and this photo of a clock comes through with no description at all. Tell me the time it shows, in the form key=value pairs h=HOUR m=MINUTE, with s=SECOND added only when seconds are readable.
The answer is h=5 m=40
